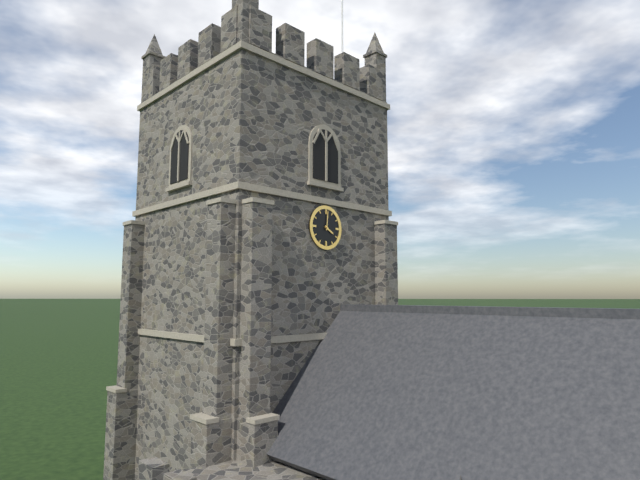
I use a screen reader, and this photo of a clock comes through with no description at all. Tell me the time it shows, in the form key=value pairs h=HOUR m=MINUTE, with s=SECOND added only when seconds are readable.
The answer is h=4 m=1
